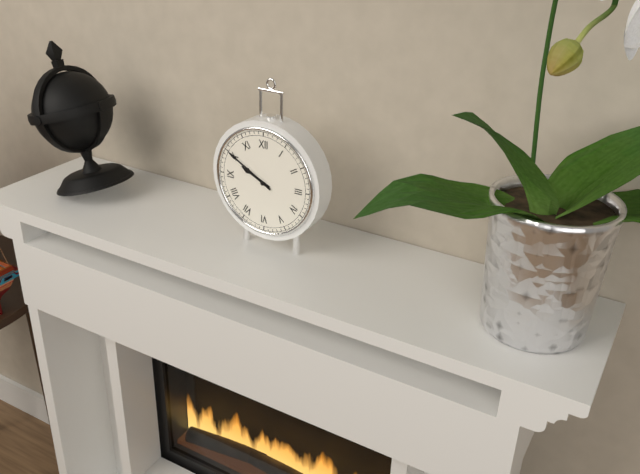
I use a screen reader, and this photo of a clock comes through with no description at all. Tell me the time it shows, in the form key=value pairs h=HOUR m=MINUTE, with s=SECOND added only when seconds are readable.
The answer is h=9 m=50
